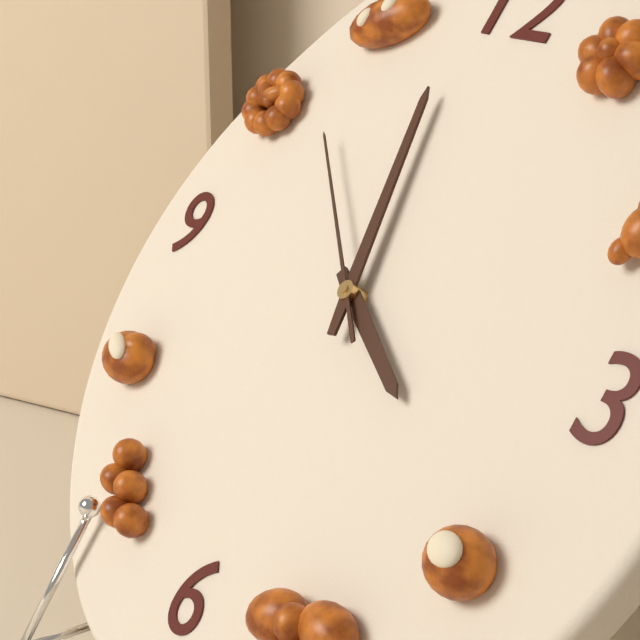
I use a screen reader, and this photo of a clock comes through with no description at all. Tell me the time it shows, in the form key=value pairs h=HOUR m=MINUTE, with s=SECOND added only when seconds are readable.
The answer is h=3 m=58 s=52
